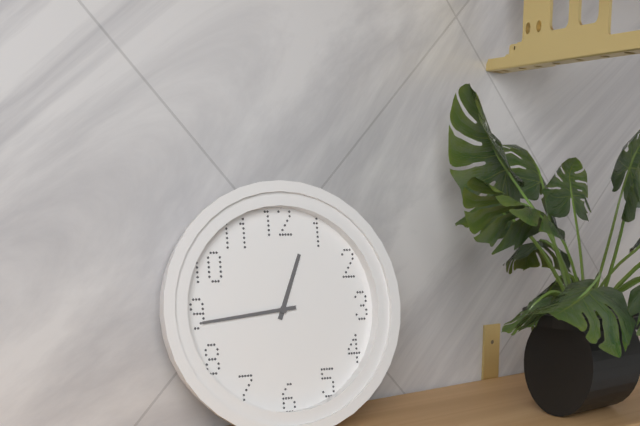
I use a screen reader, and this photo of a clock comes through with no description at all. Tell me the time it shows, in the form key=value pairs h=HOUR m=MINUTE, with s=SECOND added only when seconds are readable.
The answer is h=12 m=44
